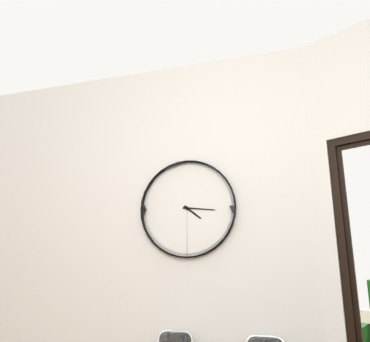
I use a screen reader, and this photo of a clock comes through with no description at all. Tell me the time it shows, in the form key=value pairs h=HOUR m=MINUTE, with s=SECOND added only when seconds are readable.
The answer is h=4 m=16
